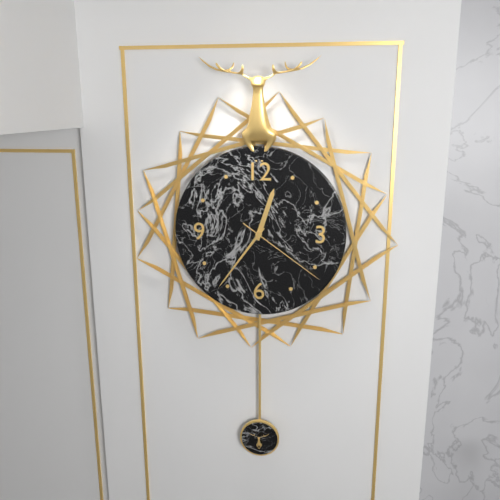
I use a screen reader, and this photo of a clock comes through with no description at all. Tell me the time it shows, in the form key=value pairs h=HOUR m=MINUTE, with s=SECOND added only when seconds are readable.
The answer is h=12 m=36 s=21
